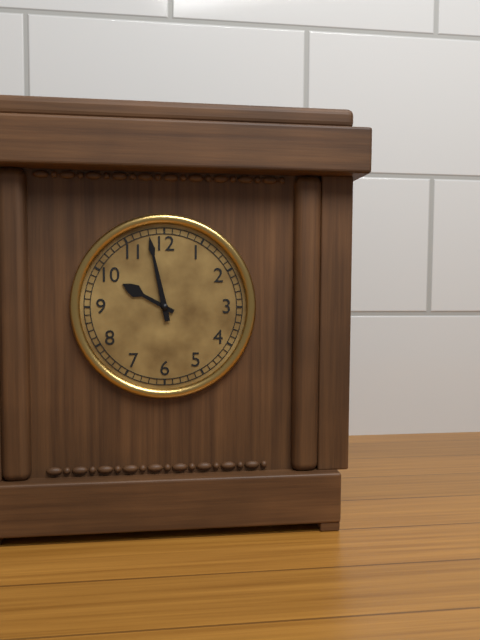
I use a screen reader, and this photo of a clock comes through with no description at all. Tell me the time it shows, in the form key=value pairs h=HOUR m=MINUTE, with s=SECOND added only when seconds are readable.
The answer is h=9 m=58
